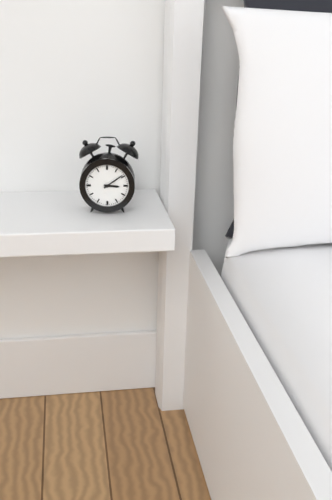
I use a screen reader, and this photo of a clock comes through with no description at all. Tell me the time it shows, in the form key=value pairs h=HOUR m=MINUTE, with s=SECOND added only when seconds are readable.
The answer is h=3 m=9
